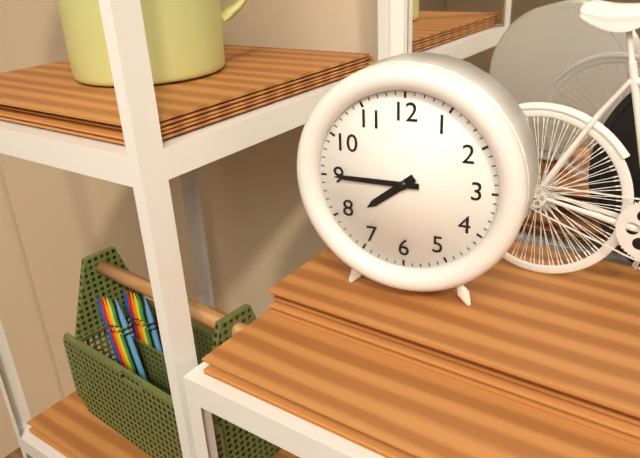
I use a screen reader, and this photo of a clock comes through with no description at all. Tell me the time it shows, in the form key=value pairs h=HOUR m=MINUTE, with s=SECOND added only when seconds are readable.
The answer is h=7 m=45
